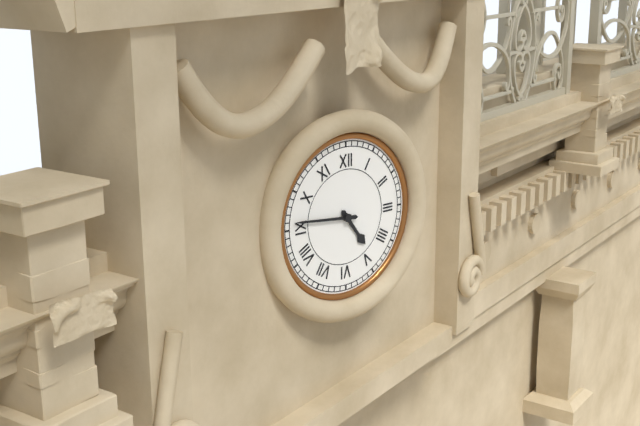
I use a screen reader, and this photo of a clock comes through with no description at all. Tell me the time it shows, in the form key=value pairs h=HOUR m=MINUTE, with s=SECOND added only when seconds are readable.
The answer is h=4 m=46
